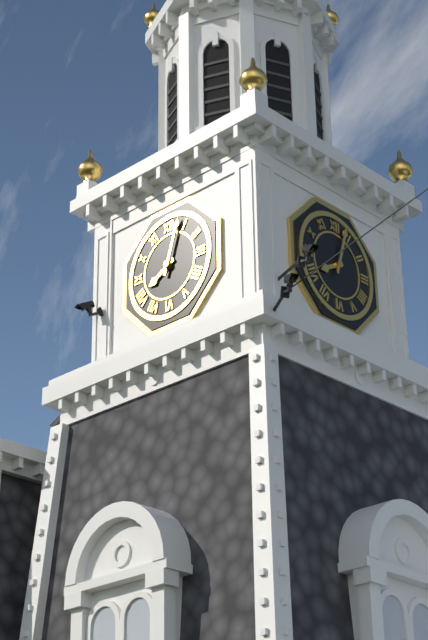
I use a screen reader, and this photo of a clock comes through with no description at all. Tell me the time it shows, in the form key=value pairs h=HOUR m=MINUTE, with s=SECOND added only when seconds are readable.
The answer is h=8 m=3
